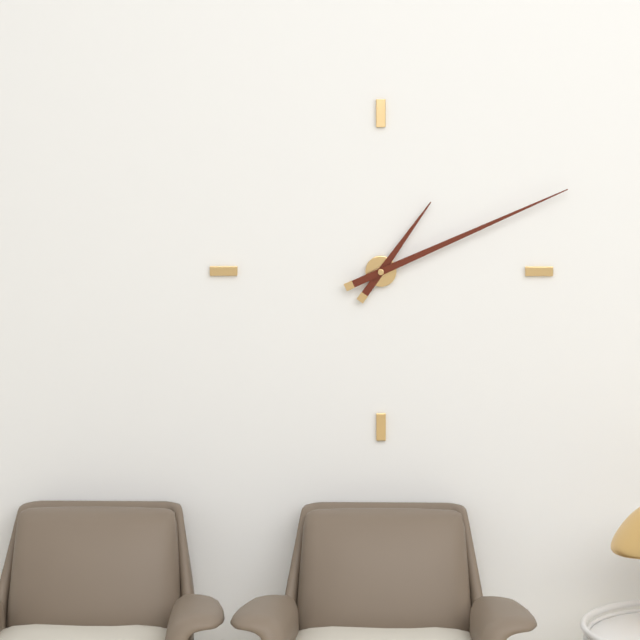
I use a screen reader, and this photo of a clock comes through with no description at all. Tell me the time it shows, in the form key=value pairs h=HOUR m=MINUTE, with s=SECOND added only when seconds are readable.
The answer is h=1 m=11
